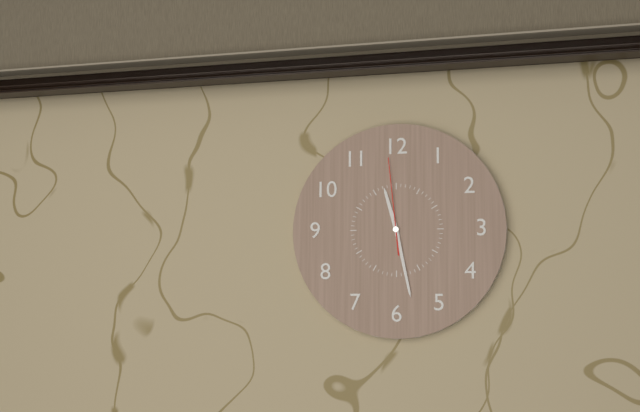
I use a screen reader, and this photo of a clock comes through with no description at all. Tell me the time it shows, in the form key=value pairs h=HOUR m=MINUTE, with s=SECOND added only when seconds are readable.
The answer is h=11 m=28 s=59
